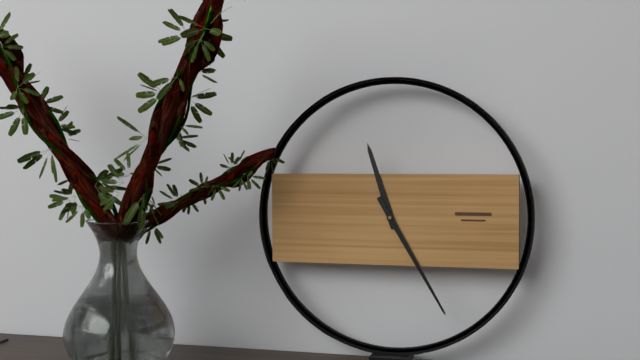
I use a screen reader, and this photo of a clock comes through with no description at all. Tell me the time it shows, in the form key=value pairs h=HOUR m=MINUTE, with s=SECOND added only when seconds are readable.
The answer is h=11 m=25
